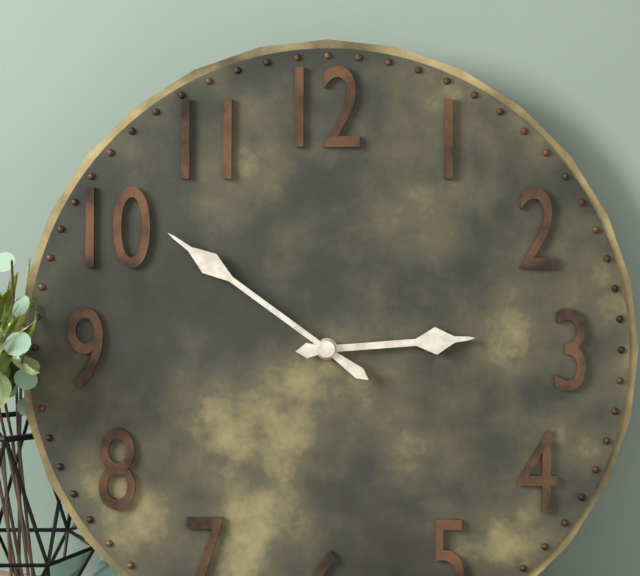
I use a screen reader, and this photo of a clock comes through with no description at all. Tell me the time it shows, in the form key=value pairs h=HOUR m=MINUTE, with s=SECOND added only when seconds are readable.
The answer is h=2 m=51
